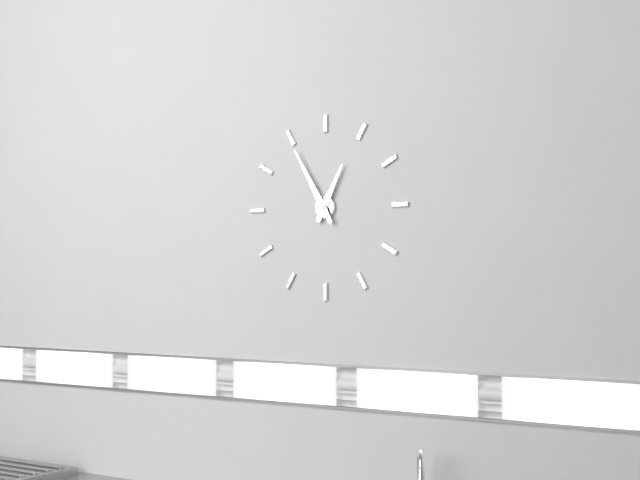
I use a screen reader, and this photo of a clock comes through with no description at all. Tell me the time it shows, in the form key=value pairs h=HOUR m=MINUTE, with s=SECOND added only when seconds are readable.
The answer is h=12 m=55
